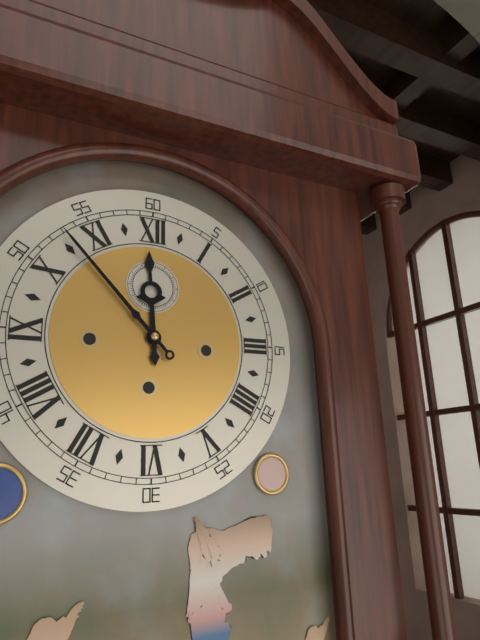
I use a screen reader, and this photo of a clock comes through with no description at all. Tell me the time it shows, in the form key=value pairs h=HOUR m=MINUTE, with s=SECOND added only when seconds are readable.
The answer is h=11 m=53
